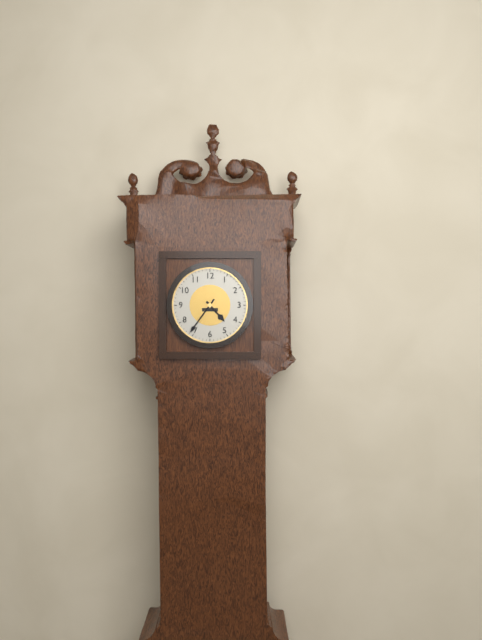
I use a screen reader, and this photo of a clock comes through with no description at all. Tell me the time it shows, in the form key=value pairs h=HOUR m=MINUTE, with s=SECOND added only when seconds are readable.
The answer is h=4 m=36
